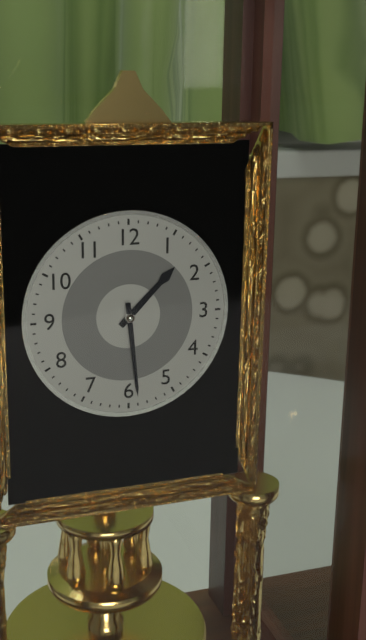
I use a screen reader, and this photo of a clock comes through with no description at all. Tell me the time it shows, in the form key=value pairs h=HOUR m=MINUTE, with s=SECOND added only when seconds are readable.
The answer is h=1 m=29
